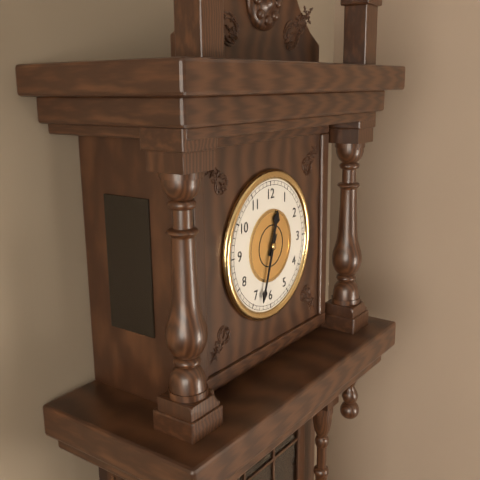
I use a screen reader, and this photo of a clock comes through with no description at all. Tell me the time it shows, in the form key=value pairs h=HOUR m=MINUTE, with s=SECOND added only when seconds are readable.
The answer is h=12 m=33
